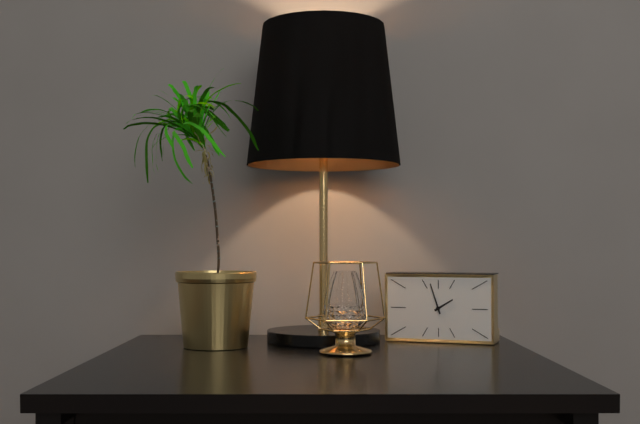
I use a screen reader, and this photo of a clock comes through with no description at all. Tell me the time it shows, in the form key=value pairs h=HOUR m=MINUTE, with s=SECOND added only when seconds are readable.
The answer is h=1 m=57
